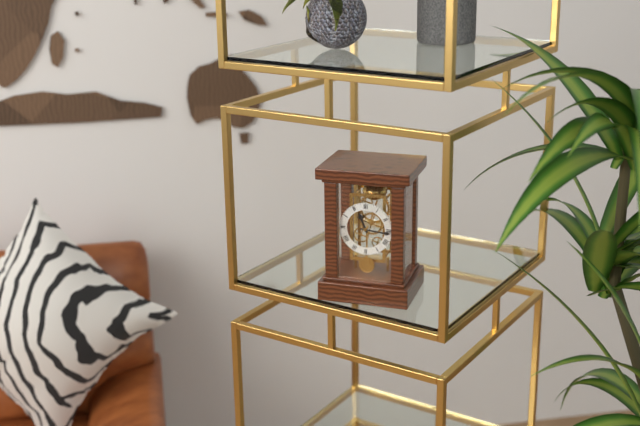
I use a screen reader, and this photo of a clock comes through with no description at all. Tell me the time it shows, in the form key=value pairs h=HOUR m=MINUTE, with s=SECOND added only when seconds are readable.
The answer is h=11 m=16
